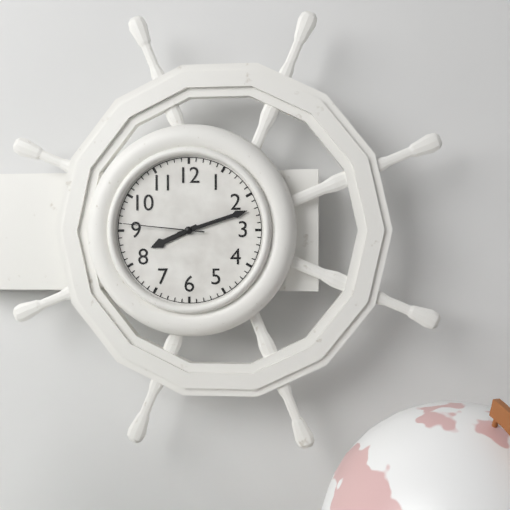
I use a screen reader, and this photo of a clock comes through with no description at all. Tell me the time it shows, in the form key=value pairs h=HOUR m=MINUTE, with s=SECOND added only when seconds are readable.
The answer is h=8 m=12 s=46
